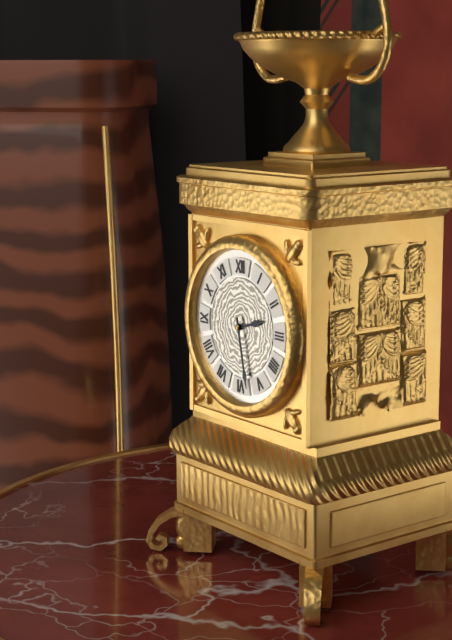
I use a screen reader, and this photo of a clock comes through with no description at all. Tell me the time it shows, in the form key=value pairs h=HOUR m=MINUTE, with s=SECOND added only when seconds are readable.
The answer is h=2 m=28
